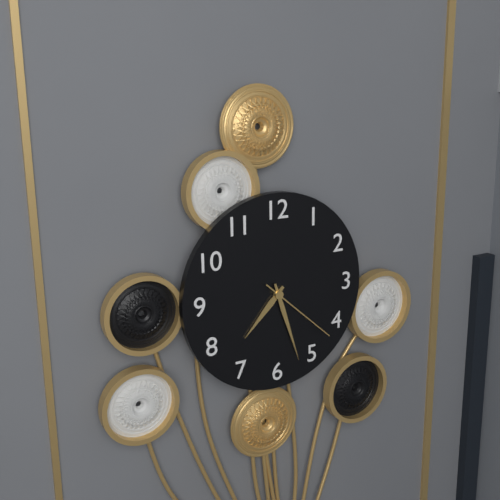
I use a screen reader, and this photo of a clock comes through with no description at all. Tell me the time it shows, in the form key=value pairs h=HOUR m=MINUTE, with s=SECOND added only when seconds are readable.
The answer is h=7 m=27 s=22
